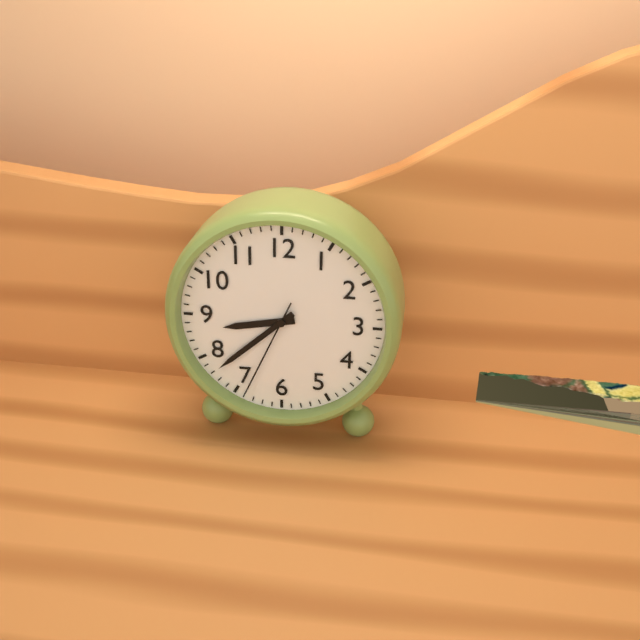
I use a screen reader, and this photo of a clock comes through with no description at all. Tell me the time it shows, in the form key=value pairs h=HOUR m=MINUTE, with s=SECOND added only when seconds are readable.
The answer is h=8 m=38 s=34
